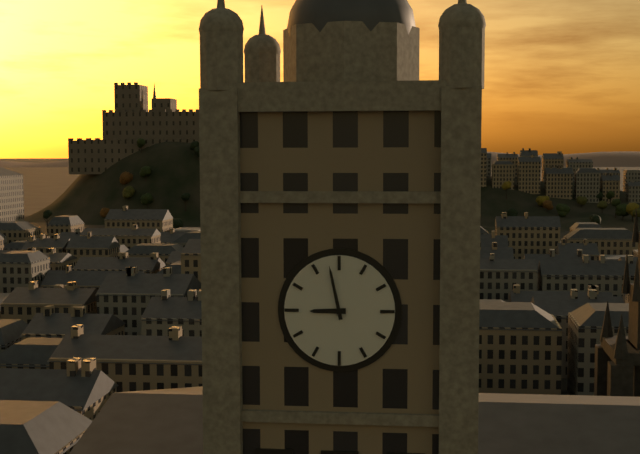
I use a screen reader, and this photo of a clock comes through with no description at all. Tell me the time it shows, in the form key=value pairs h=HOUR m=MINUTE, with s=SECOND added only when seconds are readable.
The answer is h=8 m=58
